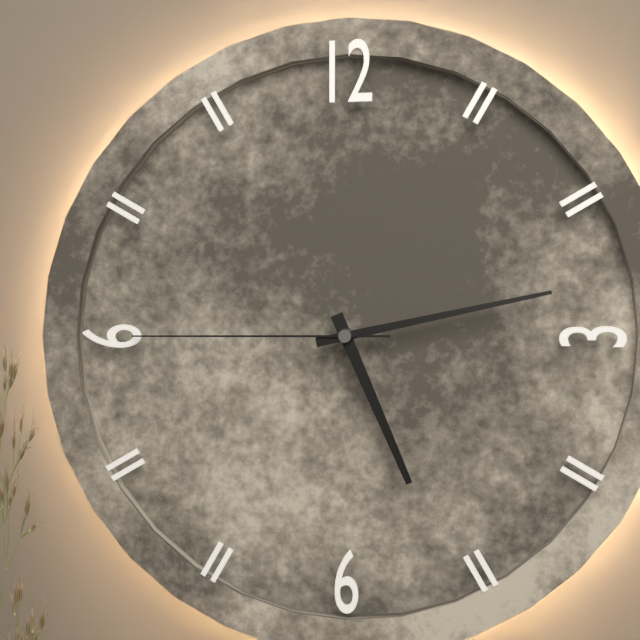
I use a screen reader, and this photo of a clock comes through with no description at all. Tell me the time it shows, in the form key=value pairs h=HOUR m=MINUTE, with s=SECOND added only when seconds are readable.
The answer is h=5 m=13 s=45
